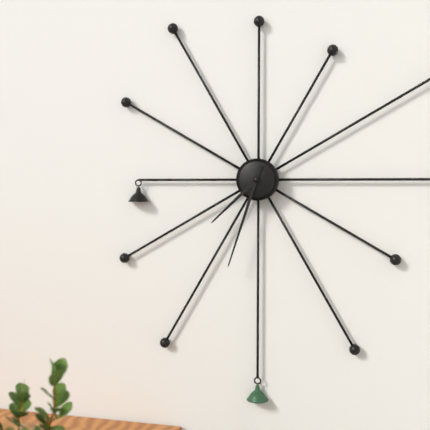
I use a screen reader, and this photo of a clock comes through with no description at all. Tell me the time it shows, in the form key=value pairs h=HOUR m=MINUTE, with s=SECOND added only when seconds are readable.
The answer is h=7 m=33
